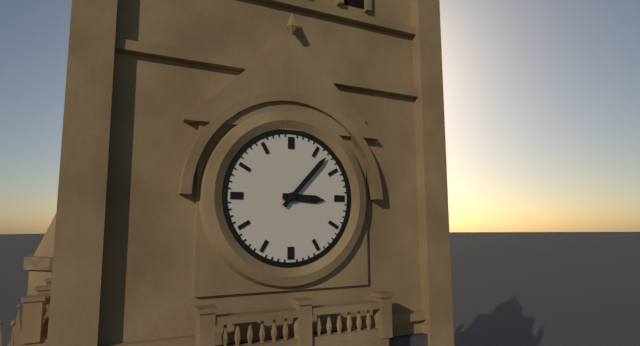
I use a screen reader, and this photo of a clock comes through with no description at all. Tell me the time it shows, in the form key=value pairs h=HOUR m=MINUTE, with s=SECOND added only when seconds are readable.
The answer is h=3 m=7
